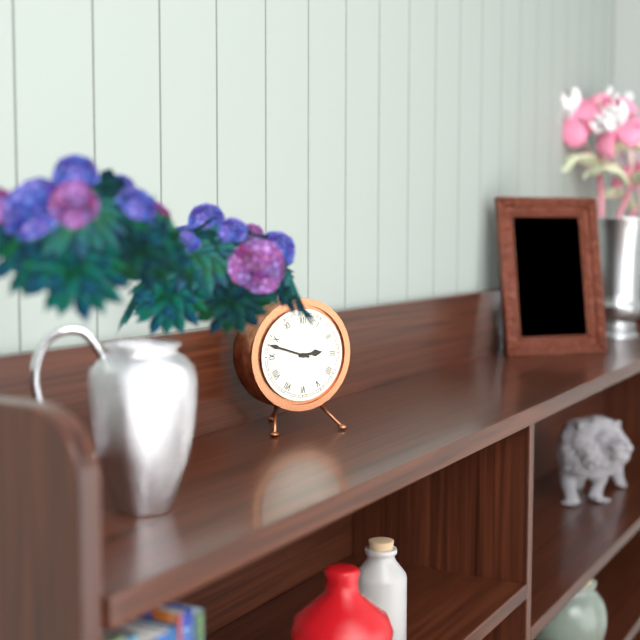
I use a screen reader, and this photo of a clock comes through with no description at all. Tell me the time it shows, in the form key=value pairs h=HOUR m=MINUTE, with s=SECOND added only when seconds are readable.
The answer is h=2 m=48
